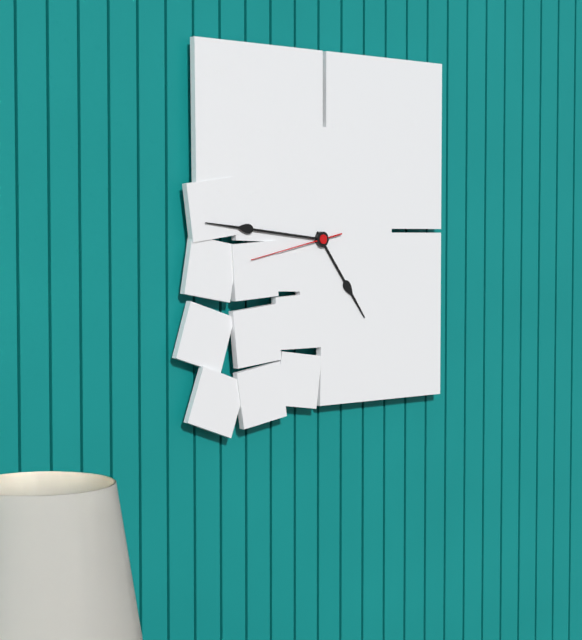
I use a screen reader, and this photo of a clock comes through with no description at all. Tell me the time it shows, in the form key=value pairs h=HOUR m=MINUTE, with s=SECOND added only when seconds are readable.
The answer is h=4 m=46 s=43
